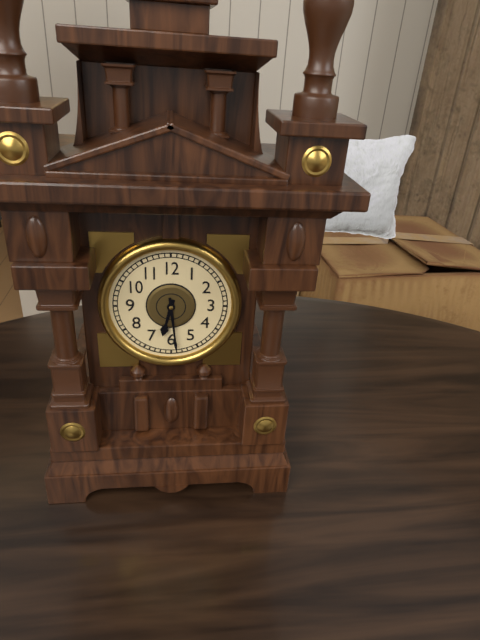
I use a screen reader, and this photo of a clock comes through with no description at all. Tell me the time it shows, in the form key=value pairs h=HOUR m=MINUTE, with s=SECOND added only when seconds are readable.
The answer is h=6 m=29
